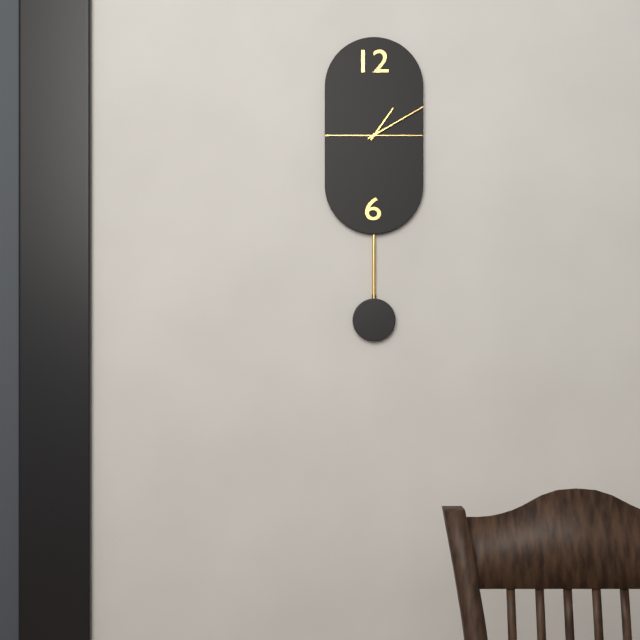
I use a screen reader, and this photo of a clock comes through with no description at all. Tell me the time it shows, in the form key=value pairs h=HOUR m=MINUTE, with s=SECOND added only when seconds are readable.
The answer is h=1 m=10
